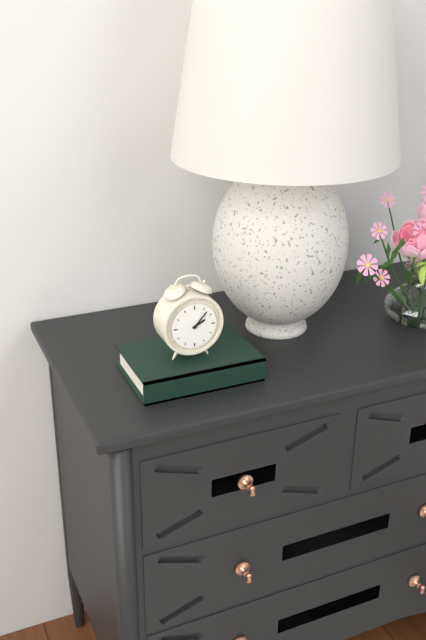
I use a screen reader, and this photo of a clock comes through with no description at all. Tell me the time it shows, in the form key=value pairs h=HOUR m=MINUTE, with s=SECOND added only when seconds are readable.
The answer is h=2 m=7
